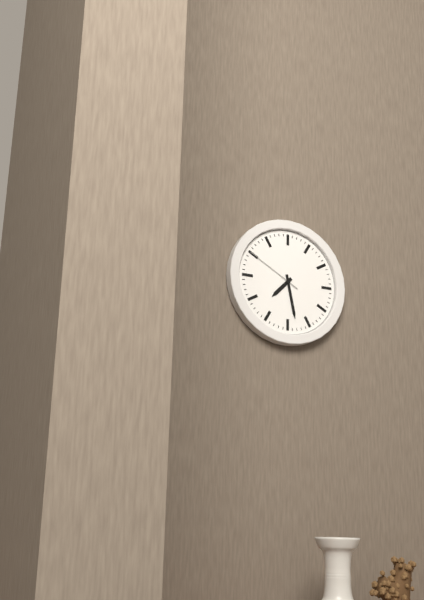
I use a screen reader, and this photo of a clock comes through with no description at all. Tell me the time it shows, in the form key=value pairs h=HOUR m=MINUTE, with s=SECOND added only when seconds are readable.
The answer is h=7 m=28 s=50
